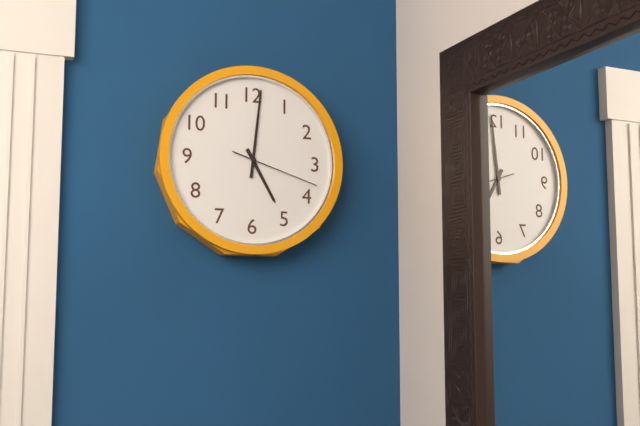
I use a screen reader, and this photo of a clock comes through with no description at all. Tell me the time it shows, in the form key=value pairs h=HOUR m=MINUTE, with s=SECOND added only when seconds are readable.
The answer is h=5 m=1 s=18
